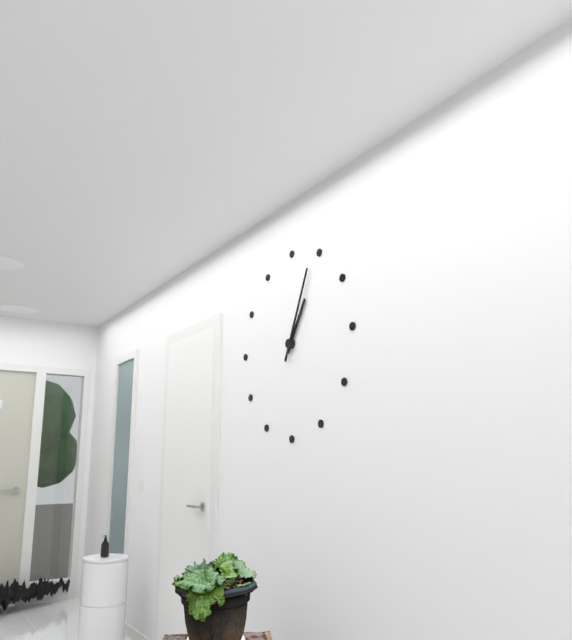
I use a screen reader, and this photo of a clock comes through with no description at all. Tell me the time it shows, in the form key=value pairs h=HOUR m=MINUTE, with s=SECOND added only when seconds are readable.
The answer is h=1 m=4
